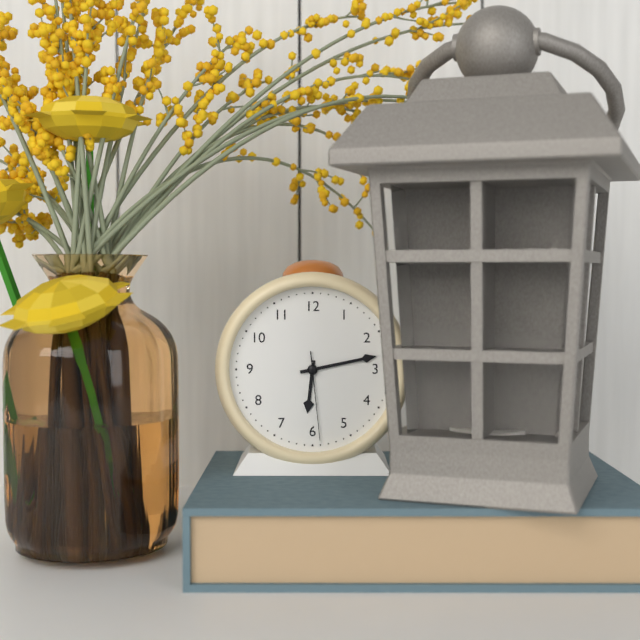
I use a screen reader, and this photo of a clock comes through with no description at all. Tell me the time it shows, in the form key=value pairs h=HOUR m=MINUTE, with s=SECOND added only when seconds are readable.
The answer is h=6 m=13 s=29
